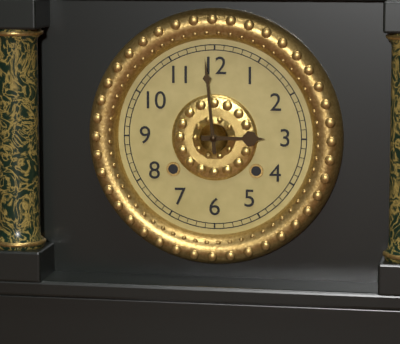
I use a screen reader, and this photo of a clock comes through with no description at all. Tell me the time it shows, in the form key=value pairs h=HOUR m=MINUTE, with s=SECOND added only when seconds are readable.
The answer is h=2 m=59
